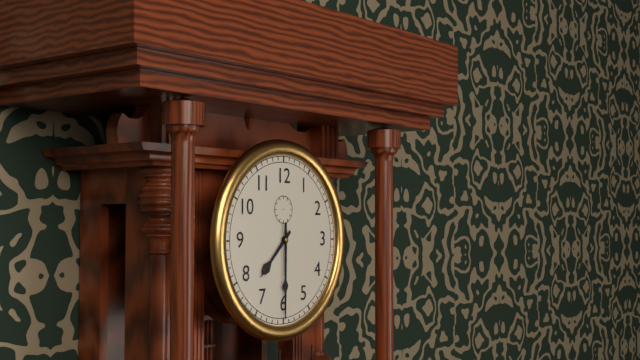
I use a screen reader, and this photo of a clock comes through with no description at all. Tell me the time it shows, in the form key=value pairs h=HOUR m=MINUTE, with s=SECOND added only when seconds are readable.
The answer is h=7 m=30
